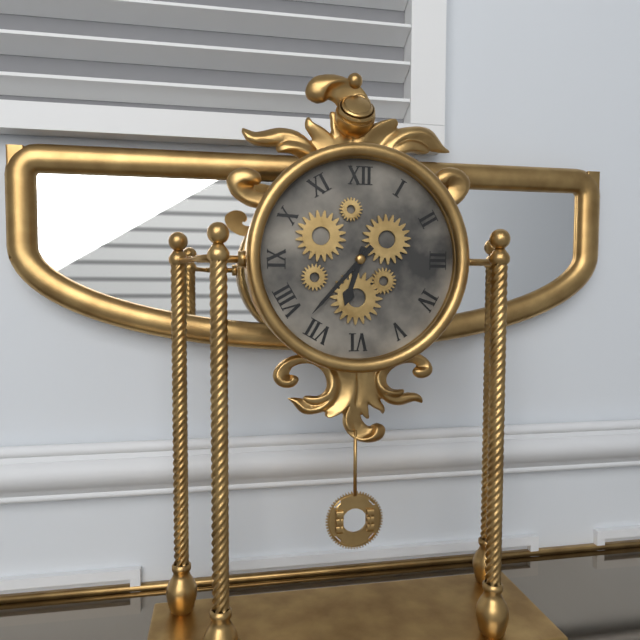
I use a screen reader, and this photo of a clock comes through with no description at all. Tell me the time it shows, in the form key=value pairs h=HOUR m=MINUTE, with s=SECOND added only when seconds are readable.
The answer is h=6 m=37
